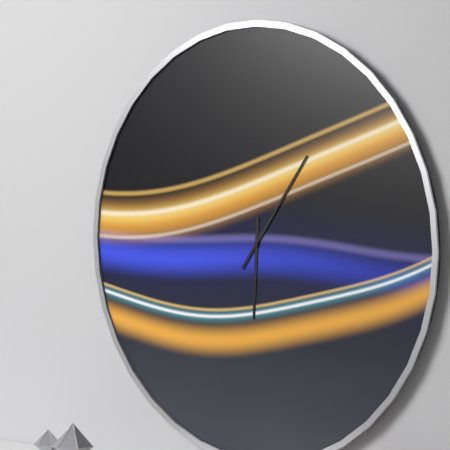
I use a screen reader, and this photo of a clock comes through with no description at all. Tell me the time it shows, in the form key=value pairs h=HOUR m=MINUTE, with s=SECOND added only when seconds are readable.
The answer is h=6 m=6
